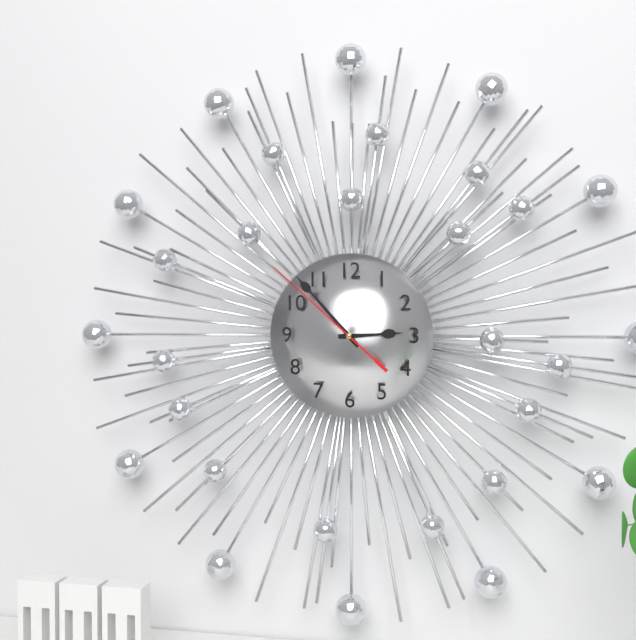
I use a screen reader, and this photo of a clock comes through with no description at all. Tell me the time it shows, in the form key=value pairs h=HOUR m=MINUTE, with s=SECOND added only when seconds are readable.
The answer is h=2 m=53 s=52
